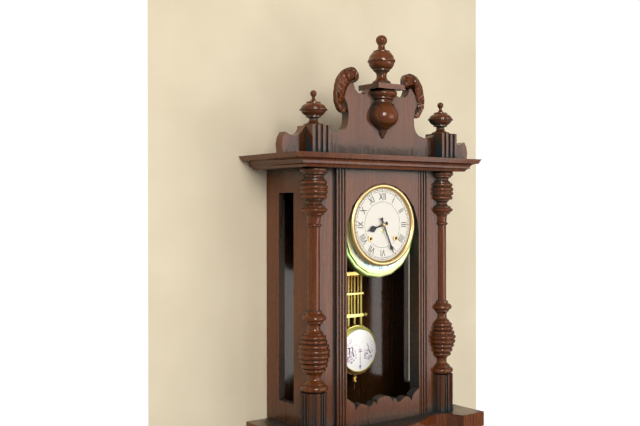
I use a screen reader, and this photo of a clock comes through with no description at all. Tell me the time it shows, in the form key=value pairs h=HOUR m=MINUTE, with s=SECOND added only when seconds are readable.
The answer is h=8 m=26
